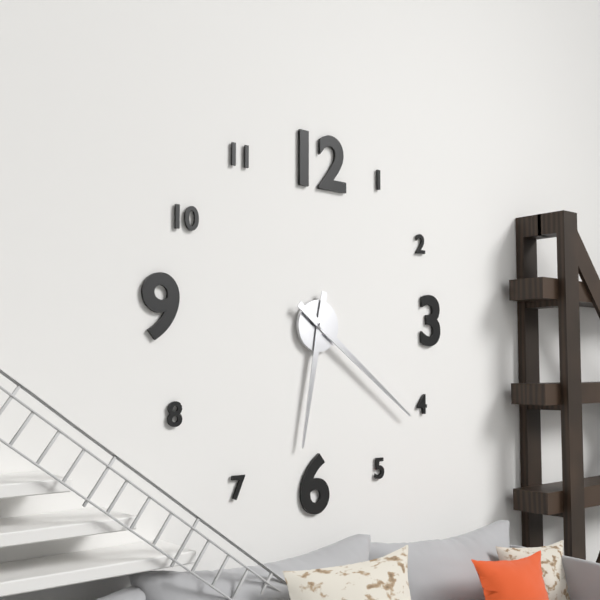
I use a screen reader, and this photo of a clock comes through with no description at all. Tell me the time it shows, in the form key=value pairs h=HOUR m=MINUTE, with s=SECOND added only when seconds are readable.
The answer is h=6 m=21
